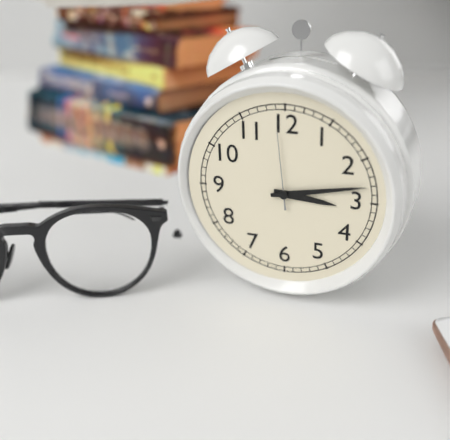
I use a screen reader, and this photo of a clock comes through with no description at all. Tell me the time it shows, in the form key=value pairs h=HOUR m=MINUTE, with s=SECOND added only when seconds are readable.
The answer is h=3 m=13 s=59
